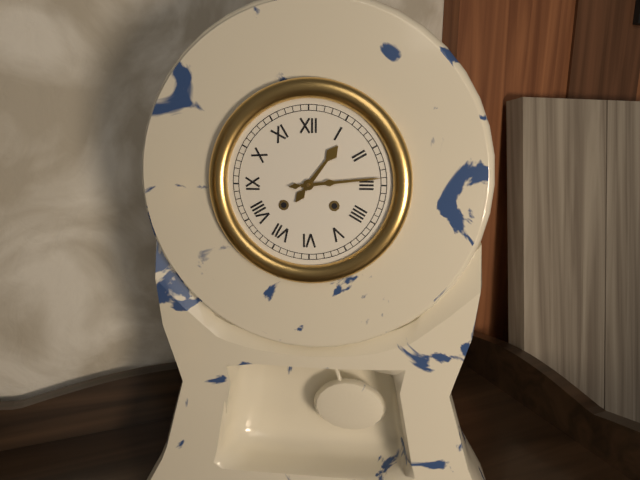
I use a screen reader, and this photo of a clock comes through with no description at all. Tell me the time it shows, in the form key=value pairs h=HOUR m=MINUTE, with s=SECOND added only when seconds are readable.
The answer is h=1 m=14
